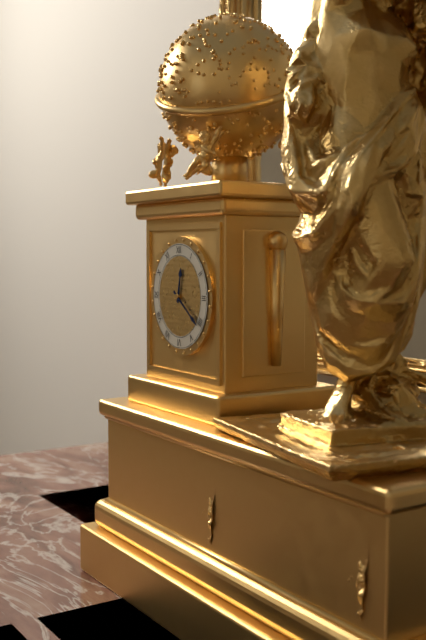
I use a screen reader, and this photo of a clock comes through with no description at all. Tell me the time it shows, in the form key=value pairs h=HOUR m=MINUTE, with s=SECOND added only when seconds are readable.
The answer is h=12 m=21
